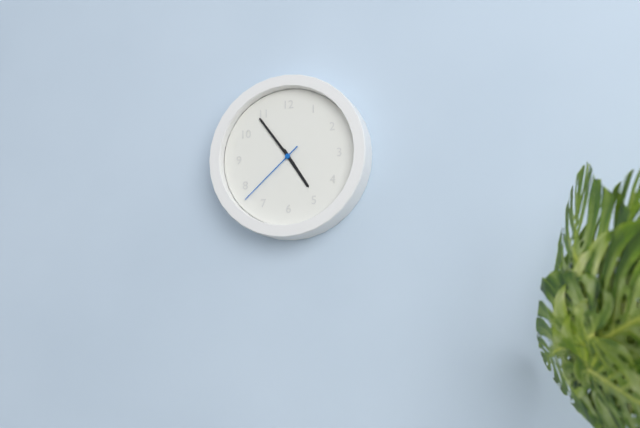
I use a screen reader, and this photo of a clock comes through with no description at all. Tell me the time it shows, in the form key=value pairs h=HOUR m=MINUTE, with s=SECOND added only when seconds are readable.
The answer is h=4 m=54 s=38
